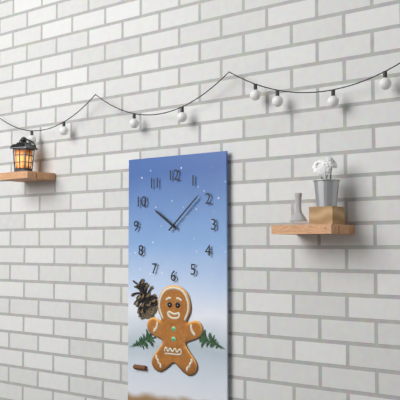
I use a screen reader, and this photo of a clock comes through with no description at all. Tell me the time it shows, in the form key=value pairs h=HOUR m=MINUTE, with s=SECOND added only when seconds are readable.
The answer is h=10 m=8
